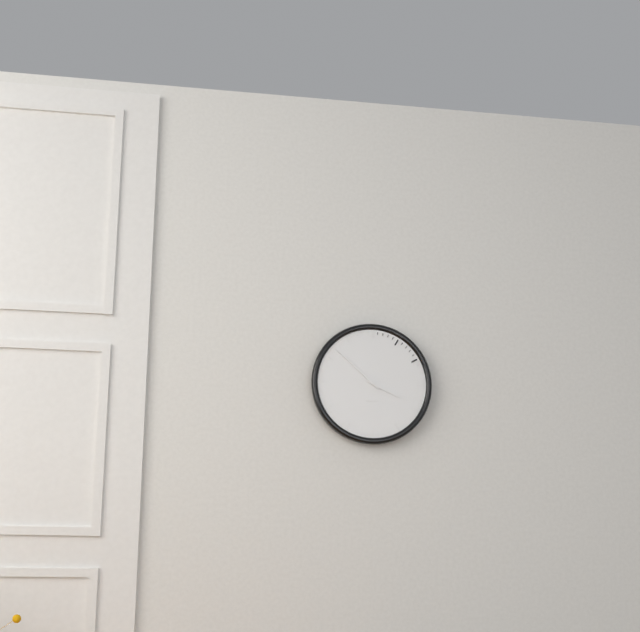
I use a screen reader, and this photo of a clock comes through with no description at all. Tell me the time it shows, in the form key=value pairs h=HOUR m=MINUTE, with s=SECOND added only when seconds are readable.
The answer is h=3 m=52
